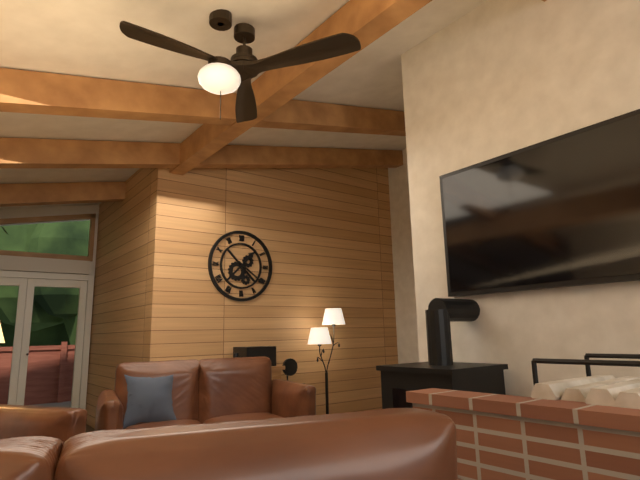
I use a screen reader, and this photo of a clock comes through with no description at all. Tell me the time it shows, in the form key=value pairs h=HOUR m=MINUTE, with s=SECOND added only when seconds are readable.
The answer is h=1 m=21
